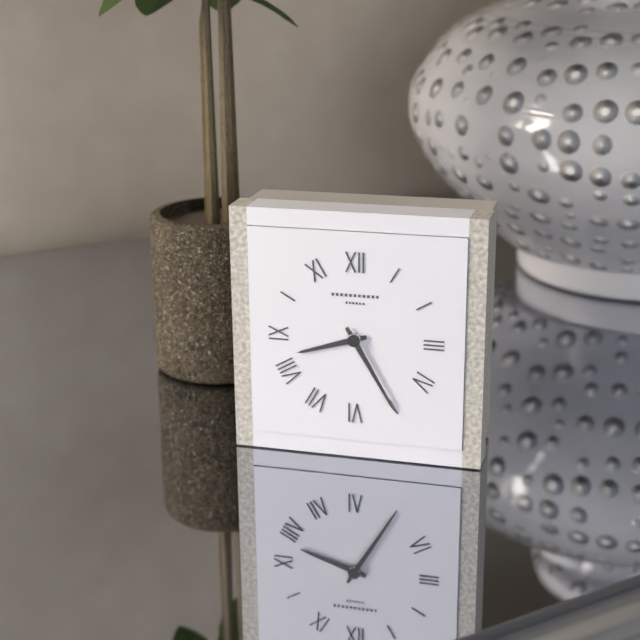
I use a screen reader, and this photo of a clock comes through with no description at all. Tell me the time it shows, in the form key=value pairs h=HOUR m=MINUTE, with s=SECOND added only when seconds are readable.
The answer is h=8 m=25
